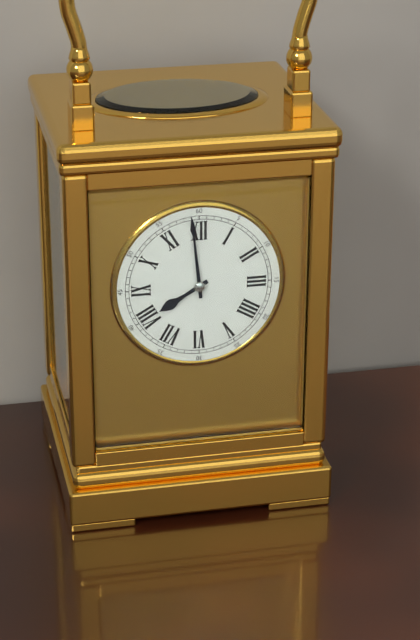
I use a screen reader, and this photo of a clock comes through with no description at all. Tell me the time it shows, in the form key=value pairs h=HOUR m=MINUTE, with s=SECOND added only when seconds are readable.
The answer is h=7 m=59
